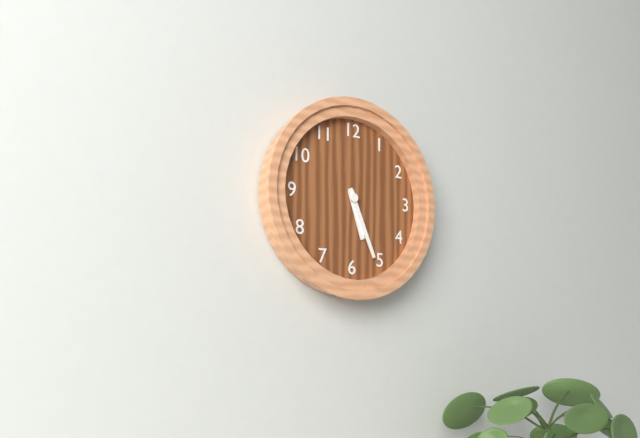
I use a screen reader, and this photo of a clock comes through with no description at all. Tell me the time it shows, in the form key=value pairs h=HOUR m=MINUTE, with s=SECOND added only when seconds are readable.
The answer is h=5 m=26
